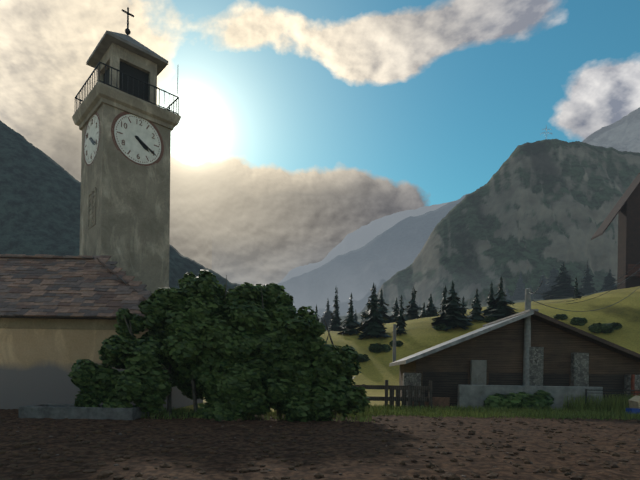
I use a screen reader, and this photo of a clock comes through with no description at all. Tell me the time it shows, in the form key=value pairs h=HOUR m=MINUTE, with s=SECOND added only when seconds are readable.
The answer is h=4 m=20
